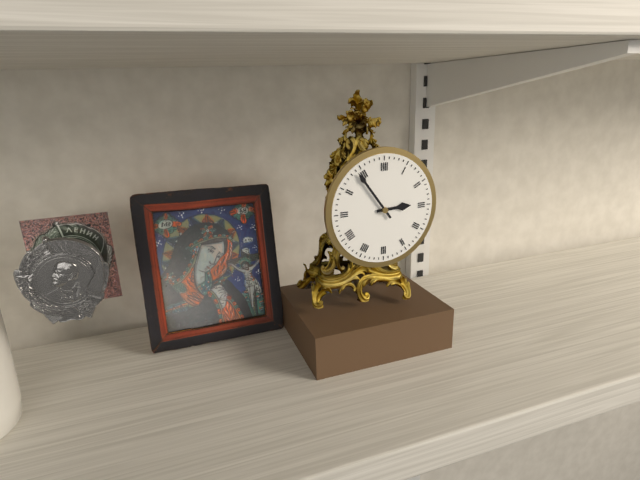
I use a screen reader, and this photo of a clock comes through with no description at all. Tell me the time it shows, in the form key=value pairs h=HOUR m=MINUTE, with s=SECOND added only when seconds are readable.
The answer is h=2 m=54
